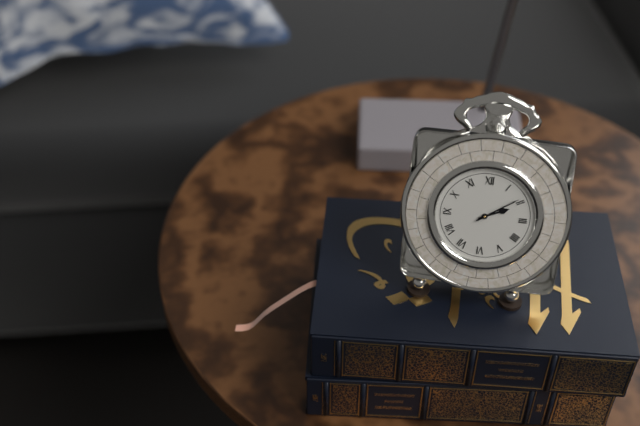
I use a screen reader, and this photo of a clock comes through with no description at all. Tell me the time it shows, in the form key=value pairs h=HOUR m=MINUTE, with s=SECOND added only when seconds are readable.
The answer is h=2 m=9
